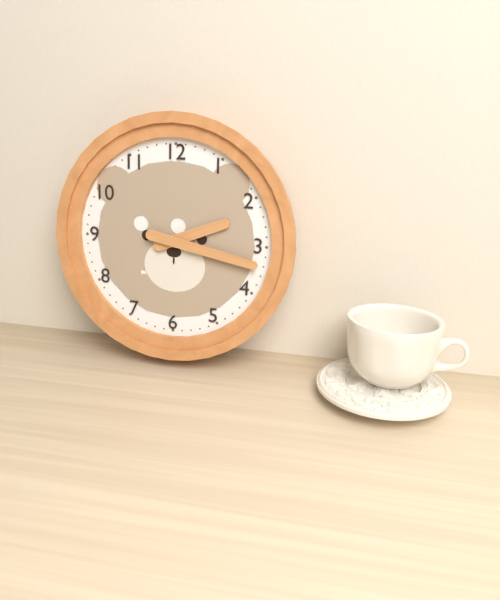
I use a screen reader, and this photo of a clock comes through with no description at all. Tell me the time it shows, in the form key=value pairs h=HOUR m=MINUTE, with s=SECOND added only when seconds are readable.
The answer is h=2 m=17
